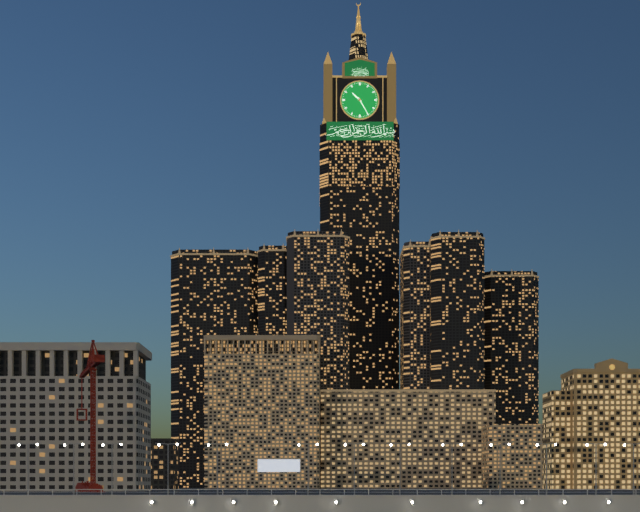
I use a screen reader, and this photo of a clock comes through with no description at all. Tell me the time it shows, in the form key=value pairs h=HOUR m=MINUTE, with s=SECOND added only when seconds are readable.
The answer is h=10 m=25
